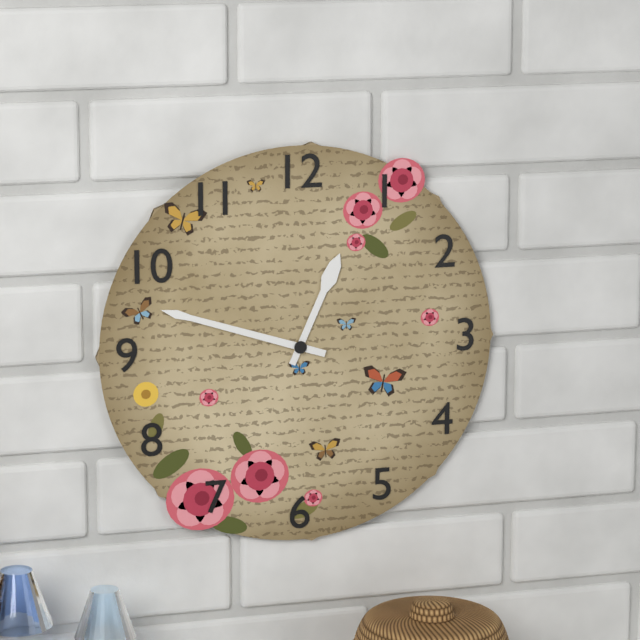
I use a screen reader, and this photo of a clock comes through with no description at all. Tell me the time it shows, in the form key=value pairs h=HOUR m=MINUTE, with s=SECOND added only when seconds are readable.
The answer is h=12 m=48
